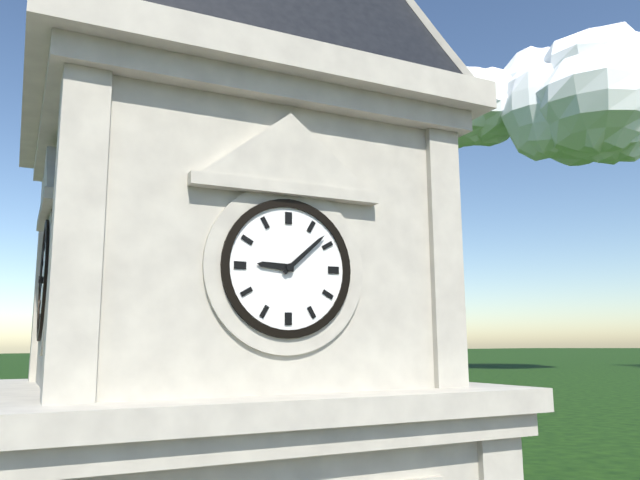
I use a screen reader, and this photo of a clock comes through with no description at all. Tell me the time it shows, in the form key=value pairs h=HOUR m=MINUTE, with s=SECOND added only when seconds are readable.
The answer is h=9 m=8
